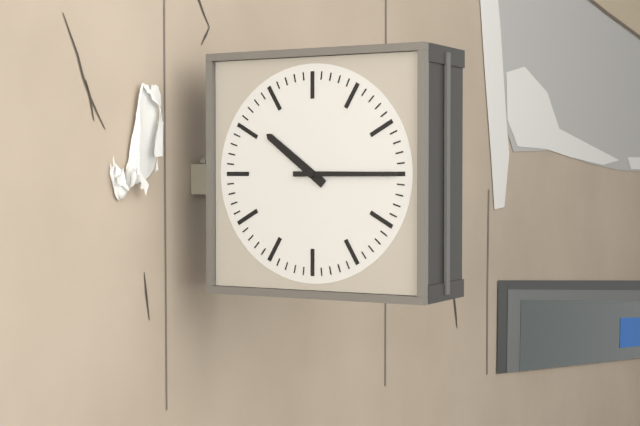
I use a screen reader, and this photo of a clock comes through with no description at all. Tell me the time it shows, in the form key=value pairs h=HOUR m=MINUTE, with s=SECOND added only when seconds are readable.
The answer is h=10 m=15
